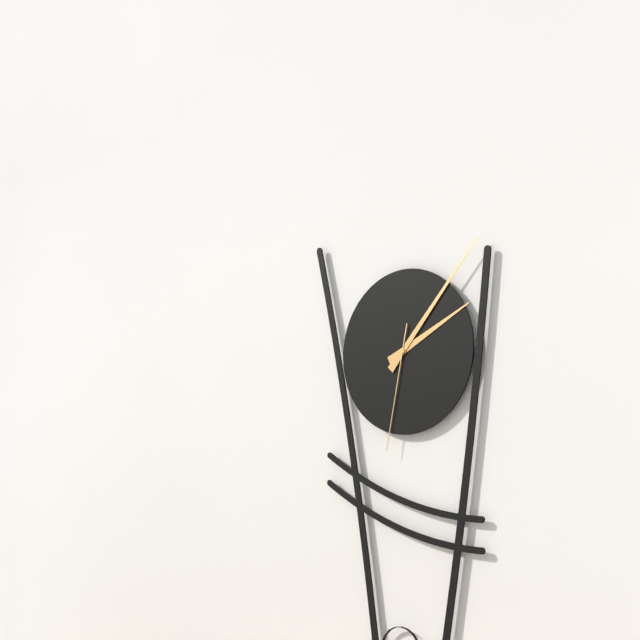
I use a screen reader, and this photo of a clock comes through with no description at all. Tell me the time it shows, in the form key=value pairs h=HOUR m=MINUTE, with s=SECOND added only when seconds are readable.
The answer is h=2 m=7 s=32
